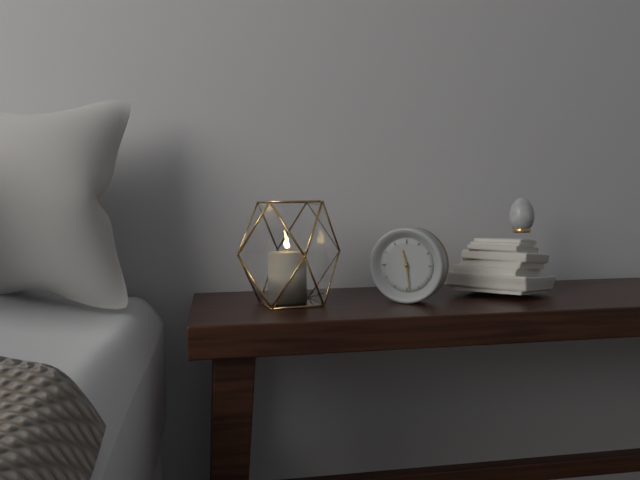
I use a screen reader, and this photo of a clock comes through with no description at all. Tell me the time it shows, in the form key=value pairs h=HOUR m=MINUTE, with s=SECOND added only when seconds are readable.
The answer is h=11 m=29
